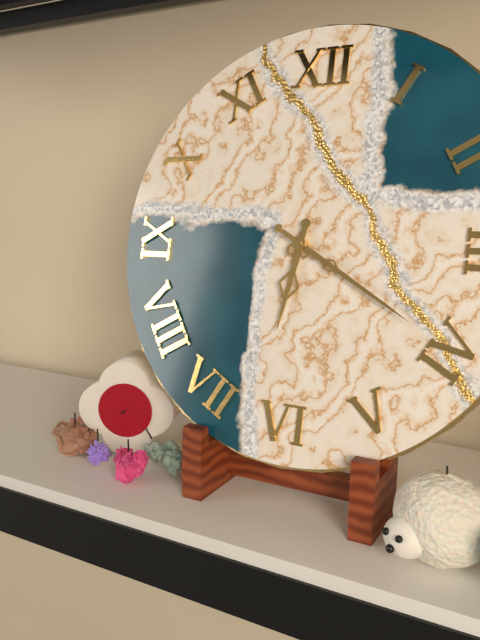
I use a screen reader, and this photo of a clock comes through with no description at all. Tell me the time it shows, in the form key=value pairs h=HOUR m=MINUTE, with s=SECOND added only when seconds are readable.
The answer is h=6 m=20
